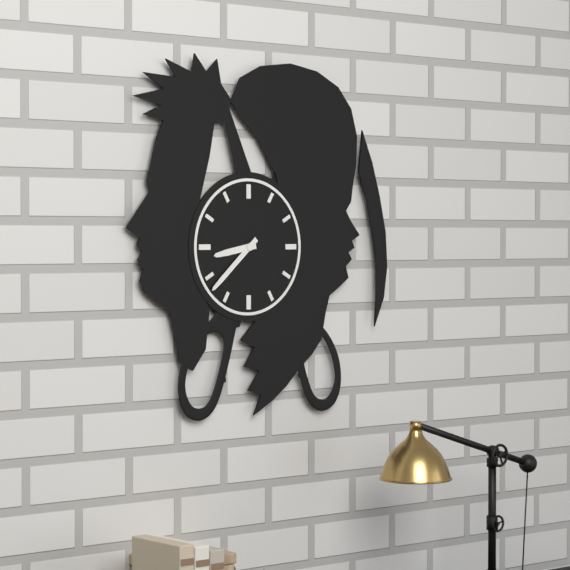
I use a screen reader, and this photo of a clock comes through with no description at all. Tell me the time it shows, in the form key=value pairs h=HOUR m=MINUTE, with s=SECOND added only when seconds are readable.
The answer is h=8 m=38
